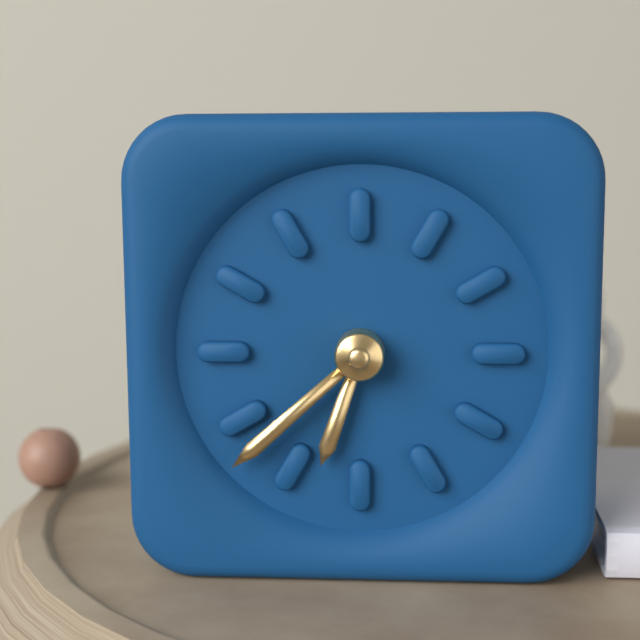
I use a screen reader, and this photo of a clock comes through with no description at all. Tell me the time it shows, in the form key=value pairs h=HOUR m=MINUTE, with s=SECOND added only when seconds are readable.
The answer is h=6 m=38
